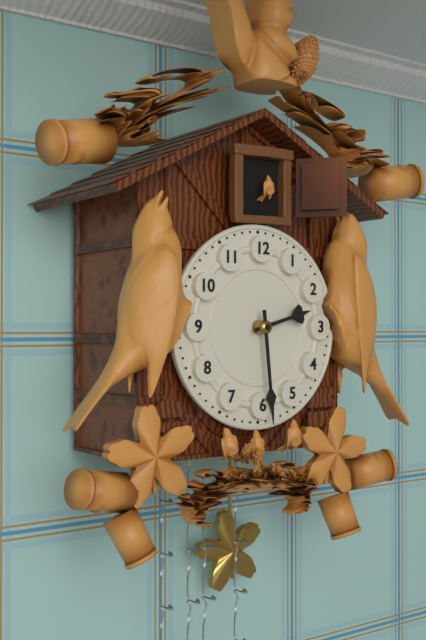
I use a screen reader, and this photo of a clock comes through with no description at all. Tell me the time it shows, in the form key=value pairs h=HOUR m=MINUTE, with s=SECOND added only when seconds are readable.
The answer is h=2 m=29
